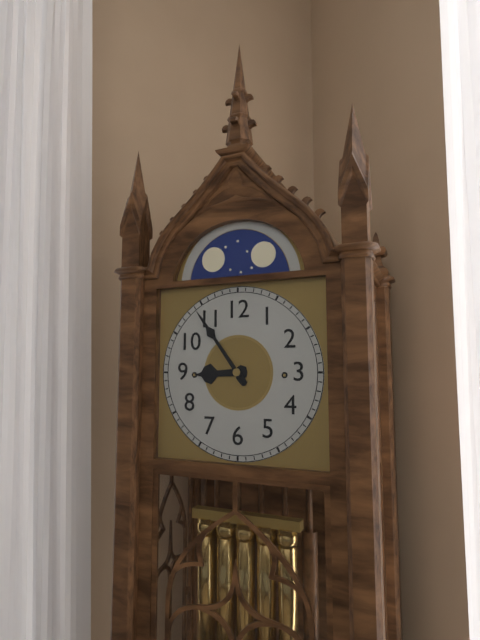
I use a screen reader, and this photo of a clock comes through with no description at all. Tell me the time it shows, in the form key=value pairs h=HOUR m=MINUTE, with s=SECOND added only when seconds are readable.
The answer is h=8 m=54
